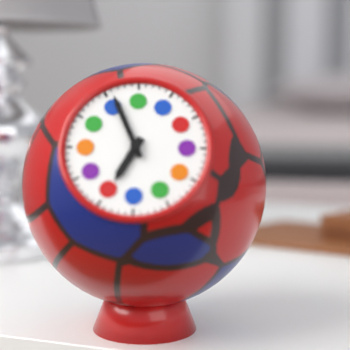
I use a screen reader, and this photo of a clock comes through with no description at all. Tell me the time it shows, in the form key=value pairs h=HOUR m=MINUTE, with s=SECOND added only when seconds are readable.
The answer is h=6 m=56
